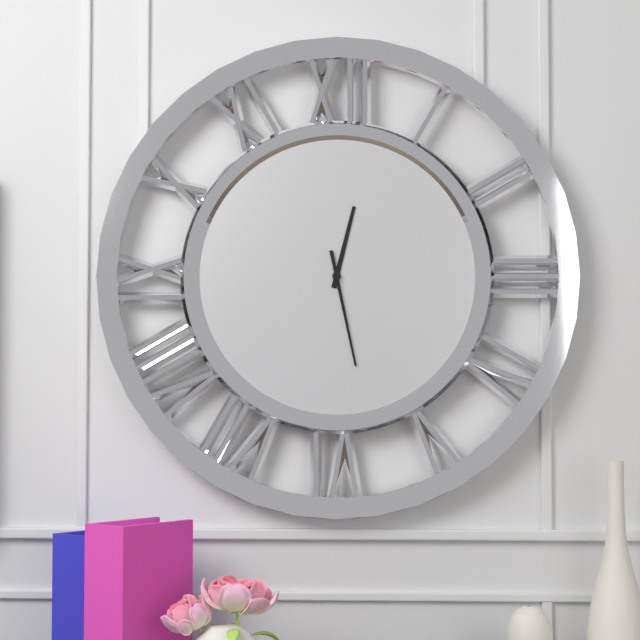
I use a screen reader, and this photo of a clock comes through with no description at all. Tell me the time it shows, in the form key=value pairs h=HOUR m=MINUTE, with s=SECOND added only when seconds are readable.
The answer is h=12 m=28
